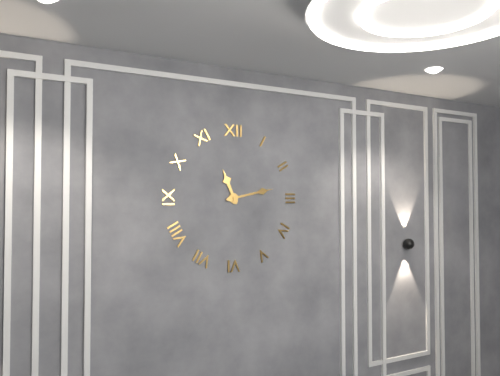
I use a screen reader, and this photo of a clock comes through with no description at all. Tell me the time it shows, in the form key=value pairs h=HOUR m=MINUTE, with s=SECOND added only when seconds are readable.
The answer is h=11 m=13
